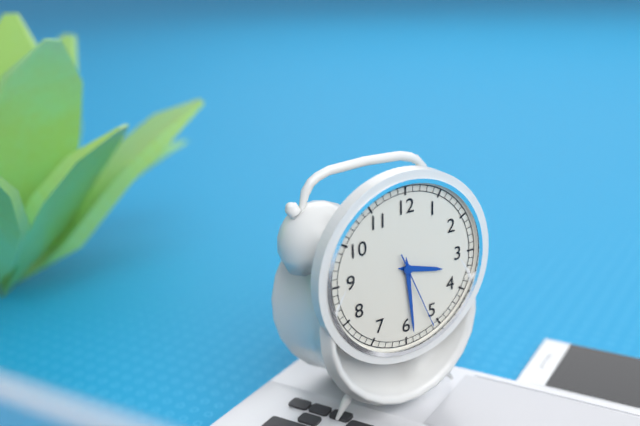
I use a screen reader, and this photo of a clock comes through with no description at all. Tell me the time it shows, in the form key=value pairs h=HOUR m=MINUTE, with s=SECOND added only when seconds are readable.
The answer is h=3 m=29 s=26
